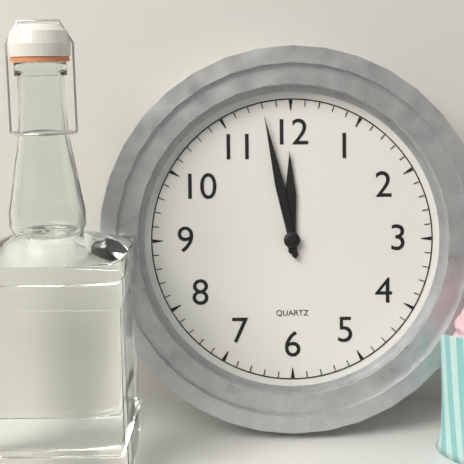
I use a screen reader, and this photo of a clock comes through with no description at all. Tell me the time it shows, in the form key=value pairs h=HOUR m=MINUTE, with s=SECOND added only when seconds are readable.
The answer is h=11 m=58
